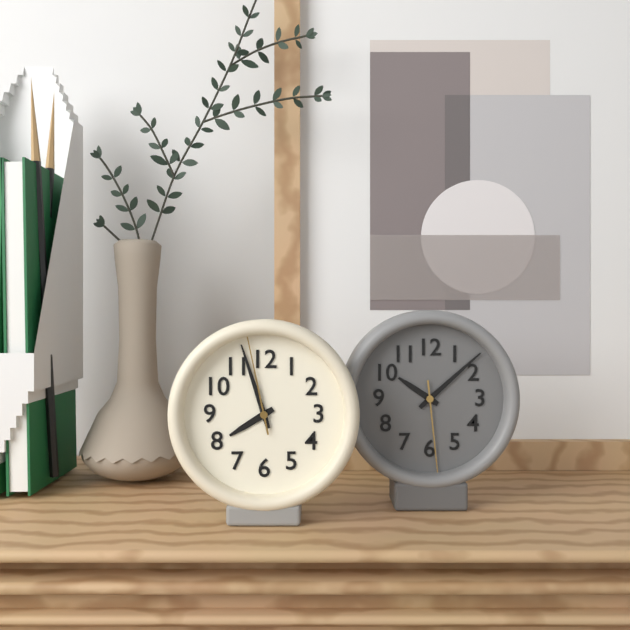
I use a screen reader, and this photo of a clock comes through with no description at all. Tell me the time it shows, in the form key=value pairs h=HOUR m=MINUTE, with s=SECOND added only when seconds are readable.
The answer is h=7 m=57 s=58
